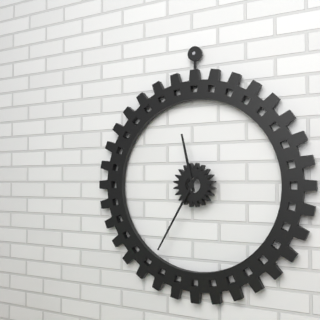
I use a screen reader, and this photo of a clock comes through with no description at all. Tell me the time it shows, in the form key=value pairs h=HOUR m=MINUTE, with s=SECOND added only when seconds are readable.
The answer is h=11 m=35
